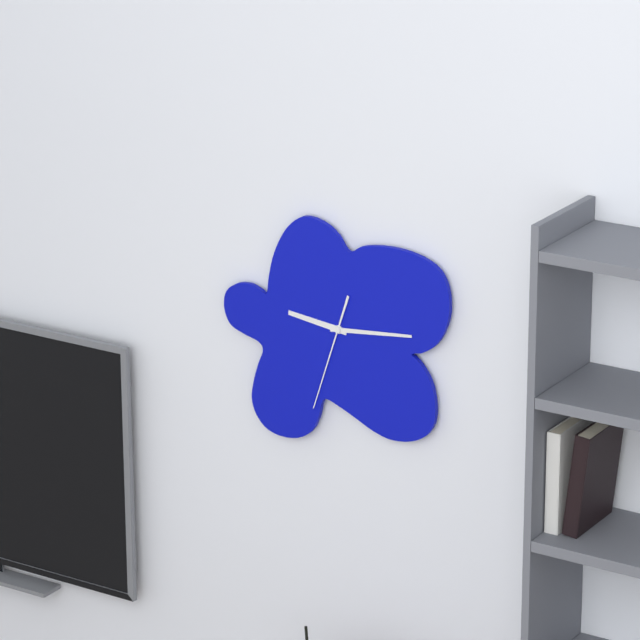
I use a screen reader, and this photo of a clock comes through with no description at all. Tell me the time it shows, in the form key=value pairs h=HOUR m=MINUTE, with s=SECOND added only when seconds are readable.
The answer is h=9 m=14 s=33
